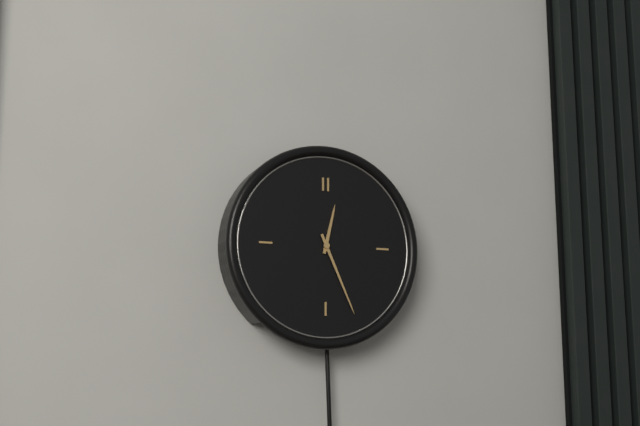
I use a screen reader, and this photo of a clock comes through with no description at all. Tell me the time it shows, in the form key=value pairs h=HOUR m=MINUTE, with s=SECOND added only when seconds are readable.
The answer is h=12 m=26
